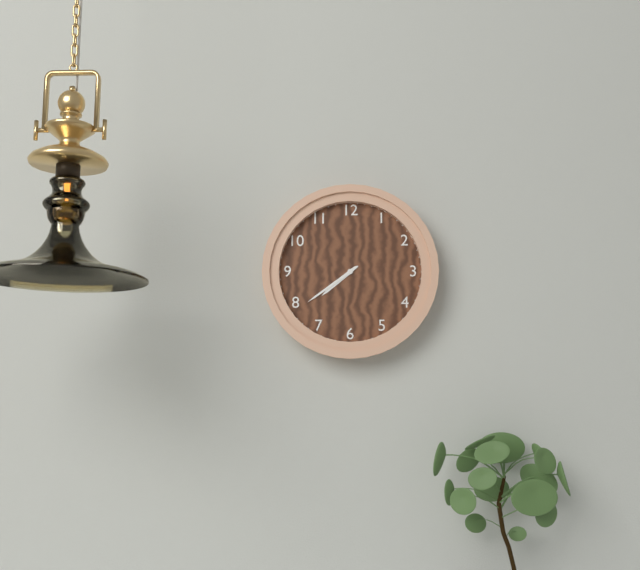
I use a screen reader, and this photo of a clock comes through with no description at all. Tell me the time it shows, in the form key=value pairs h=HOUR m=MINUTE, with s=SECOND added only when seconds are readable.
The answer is h=7 m=39
